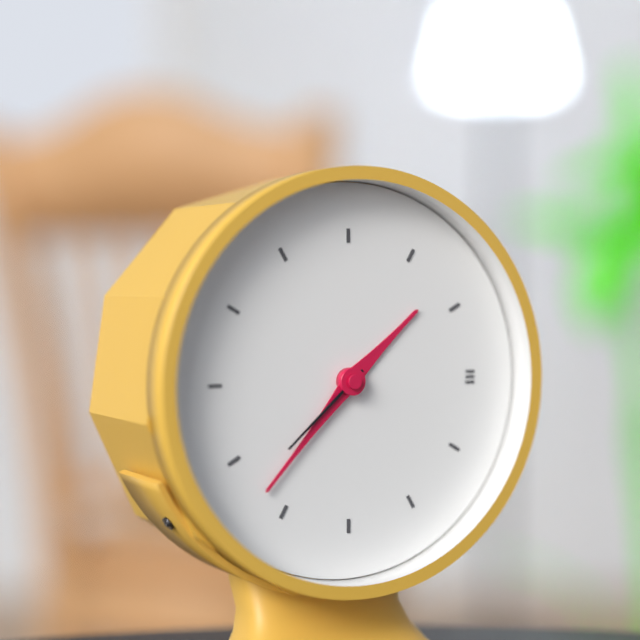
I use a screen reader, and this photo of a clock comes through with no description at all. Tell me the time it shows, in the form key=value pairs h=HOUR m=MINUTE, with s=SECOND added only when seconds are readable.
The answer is h=1 m=37 s=38
